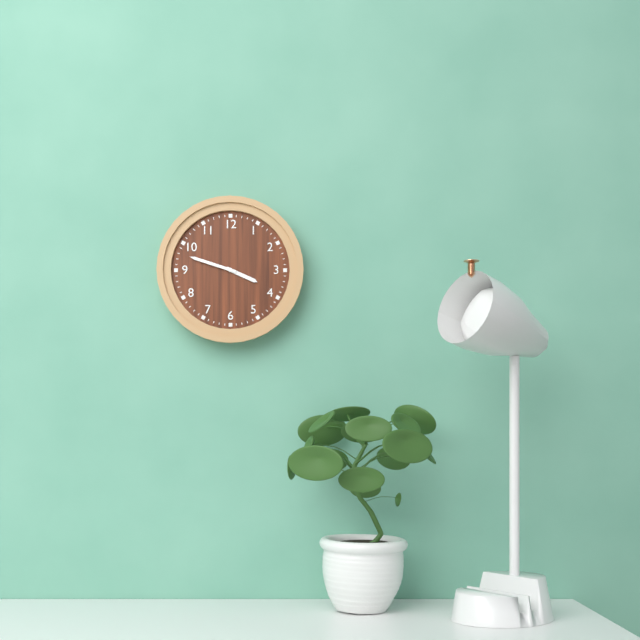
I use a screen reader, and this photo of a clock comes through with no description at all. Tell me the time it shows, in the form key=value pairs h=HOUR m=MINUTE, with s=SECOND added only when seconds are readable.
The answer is h=3 m=48
